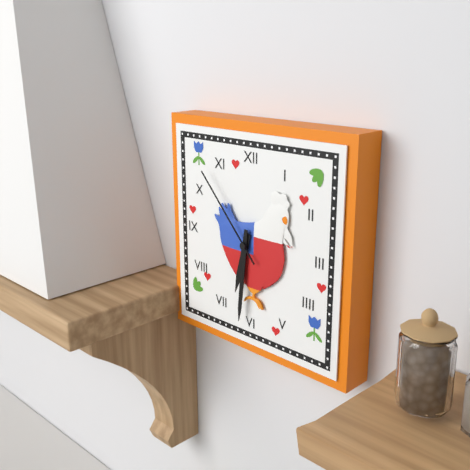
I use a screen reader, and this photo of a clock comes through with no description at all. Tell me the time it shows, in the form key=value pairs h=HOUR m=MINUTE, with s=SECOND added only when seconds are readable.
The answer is h=6 m=31 s=53
